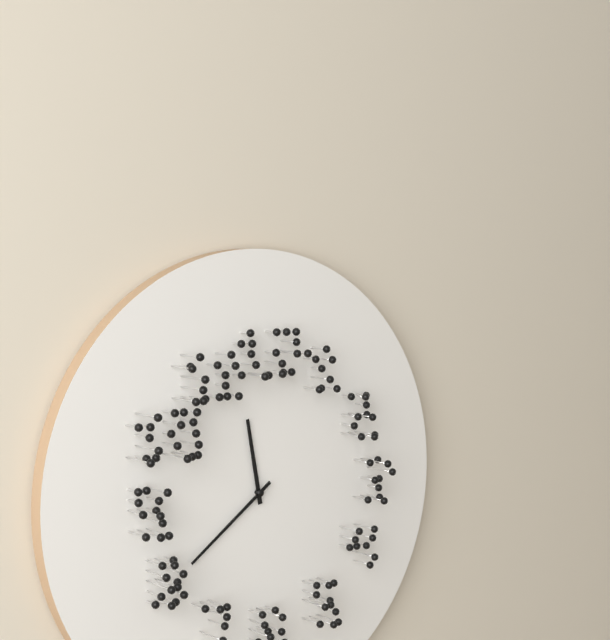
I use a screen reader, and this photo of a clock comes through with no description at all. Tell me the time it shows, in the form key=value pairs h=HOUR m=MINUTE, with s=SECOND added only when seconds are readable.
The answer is h=11 m=39
